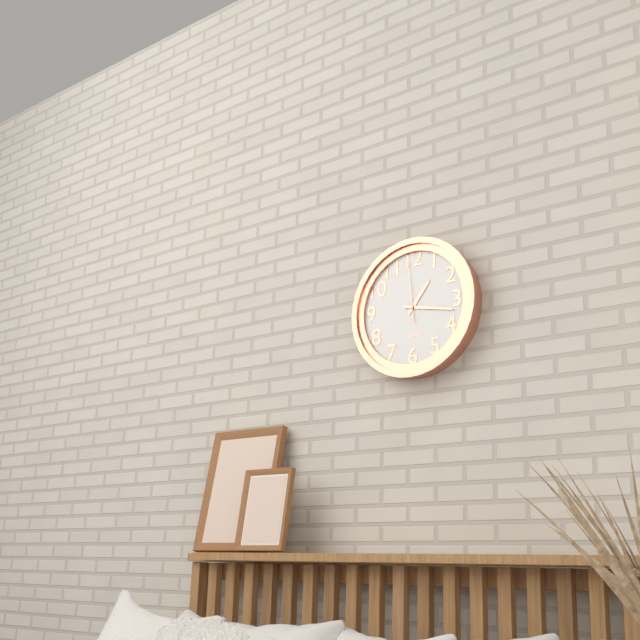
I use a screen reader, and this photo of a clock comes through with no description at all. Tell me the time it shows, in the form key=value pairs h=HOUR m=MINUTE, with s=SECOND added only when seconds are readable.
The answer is h=1 m=17 s=59
